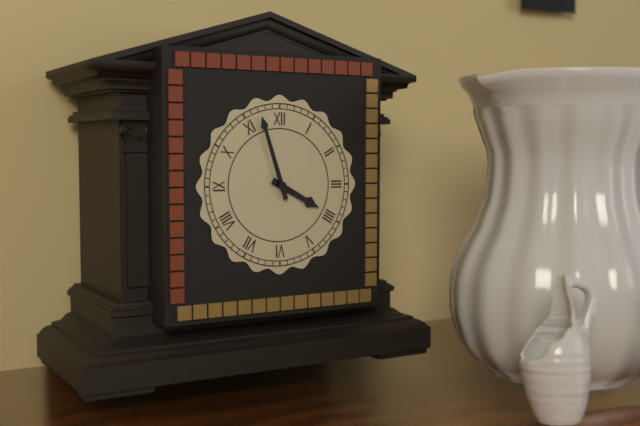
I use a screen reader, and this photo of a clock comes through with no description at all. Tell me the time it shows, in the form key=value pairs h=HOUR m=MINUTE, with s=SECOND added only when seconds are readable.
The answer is h=3 m=57
